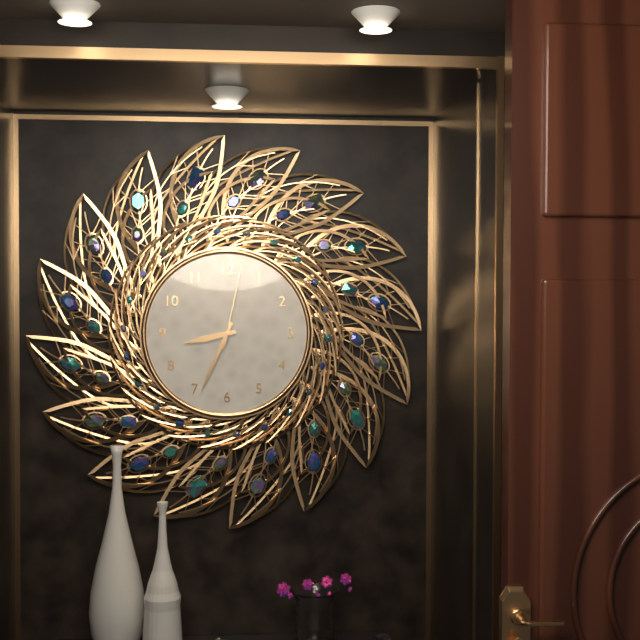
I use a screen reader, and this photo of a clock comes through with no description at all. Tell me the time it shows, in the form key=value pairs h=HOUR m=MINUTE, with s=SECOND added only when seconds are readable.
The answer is h=8 m=34 s=2
